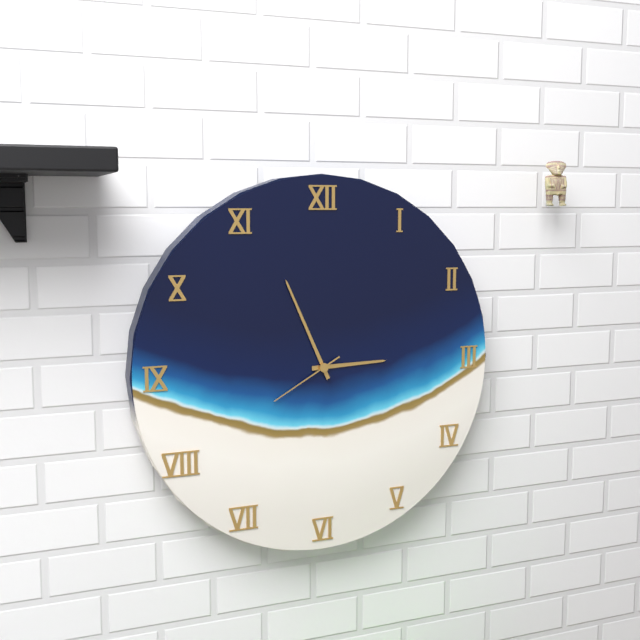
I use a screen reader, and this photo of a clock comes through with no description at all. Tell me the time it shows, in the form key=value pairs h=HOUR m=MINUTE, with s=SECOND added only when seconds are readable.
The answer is h=2 m=56 s=40
